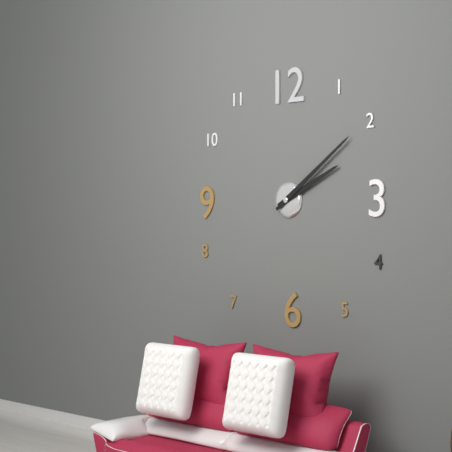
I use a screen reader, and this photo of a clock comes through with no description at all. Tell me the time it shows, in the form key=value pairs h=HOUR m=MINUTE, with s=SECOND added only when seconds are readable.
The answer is h=2 m=9
